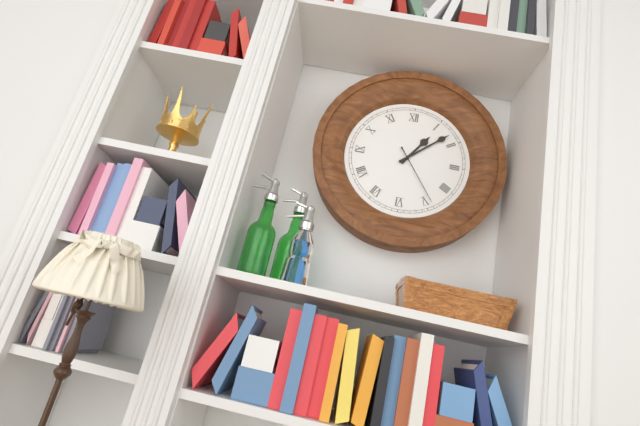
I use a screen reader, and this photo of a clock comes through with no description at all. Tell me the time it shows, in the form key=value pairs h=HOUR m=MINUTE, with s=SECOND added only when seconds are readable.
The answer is h=1 m=8 s=24
